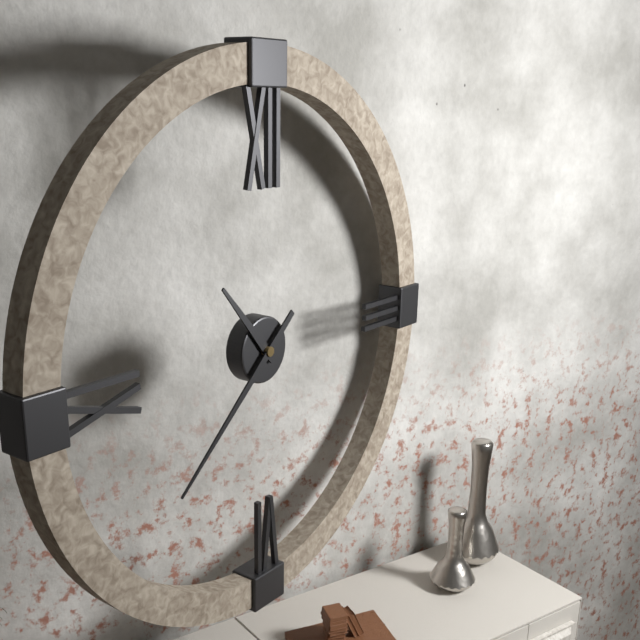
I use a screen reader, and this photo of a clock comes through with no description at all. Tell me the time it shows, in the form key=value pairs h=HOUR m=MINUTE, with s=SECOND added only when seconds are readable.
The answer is h=10 m=38
